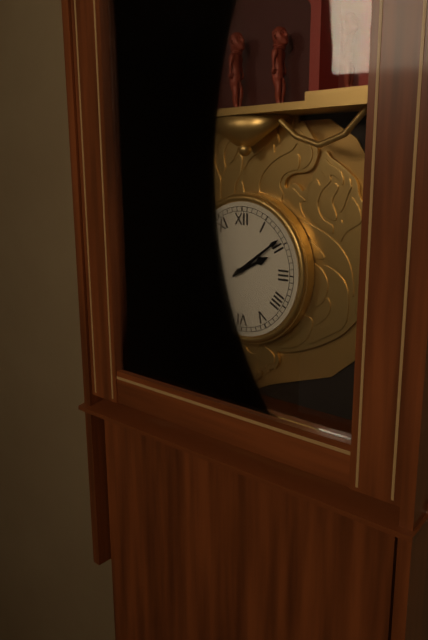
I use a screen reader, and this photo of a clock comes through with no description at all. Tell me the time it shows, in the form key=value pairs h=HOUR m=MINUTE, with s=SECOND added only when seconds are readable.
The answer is h=2 m=9
